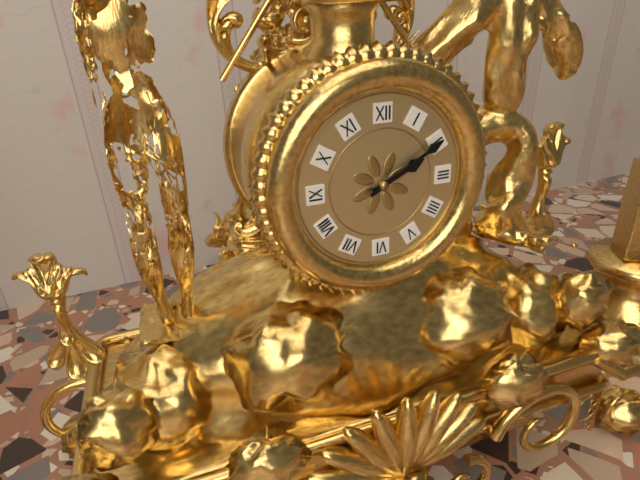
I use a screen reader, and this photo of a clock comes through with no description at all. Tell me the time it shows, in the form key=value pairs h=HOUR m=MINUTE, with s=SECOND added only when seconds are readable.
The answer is h=2 m=10
